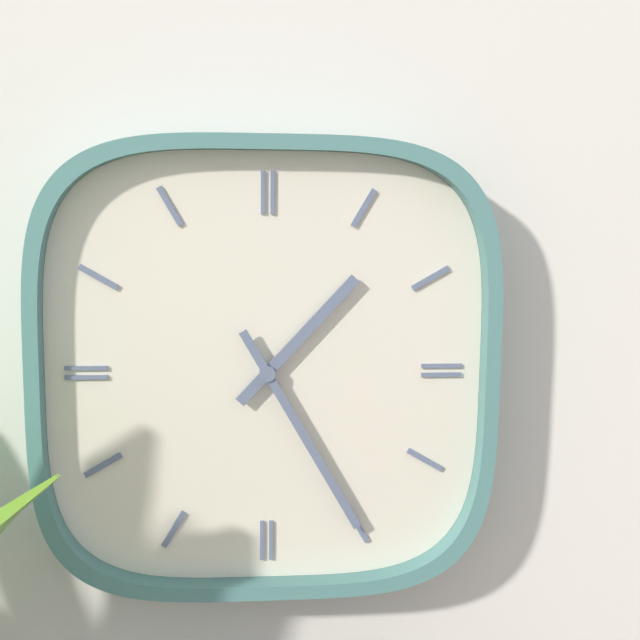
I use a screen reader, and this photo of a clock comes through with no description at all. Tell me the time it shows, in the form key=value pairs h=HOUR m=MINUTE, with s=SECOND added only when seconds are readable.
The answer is h=1 m=25
